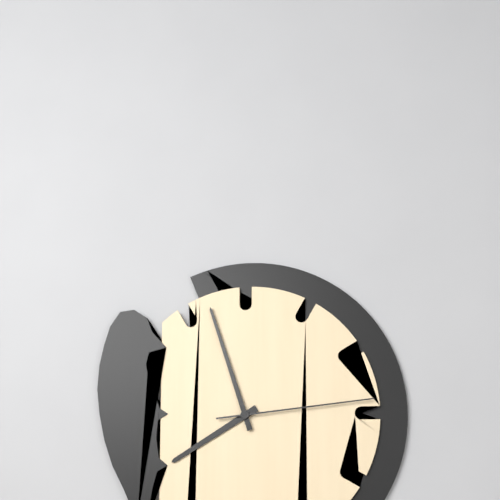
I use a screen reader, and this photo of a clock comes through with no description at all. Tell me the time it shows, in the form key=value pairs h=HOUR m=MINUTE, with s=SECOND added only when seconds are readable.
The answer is h=7 m=57 s=14
